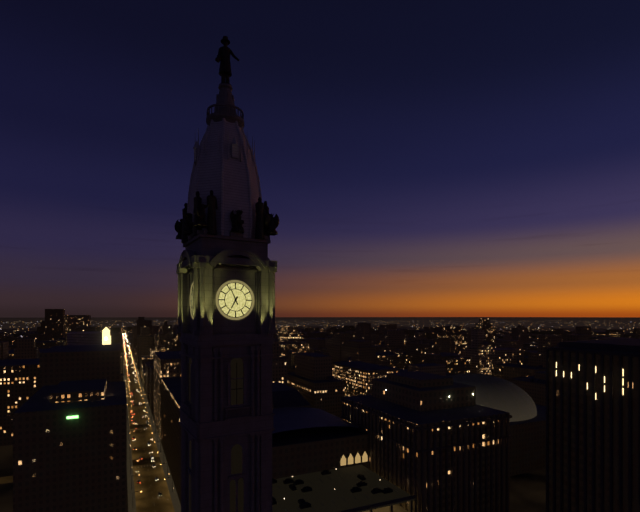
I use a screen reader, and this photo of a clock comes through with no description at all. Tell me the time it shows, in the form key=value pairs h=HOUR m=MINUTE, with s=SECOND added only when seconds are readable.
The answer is h=6 m=56
